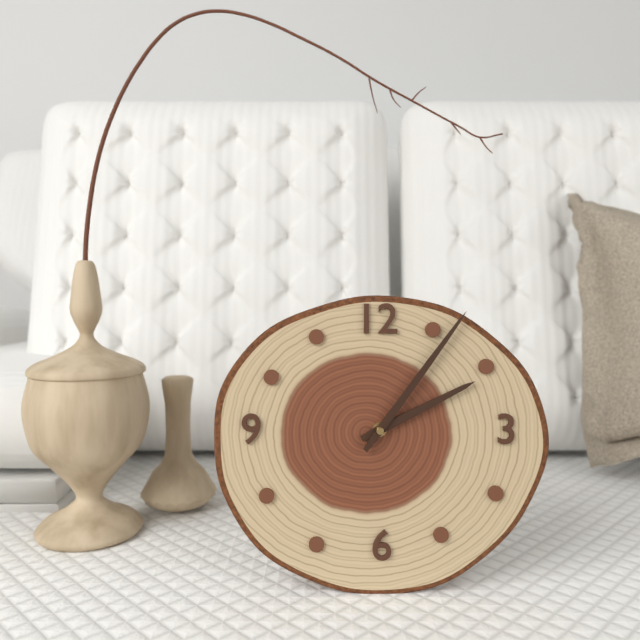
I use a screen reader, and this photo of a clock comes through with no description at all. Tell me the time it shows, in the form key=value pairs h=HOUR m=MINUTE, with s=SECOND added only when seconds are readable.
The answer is h=2 m=6
